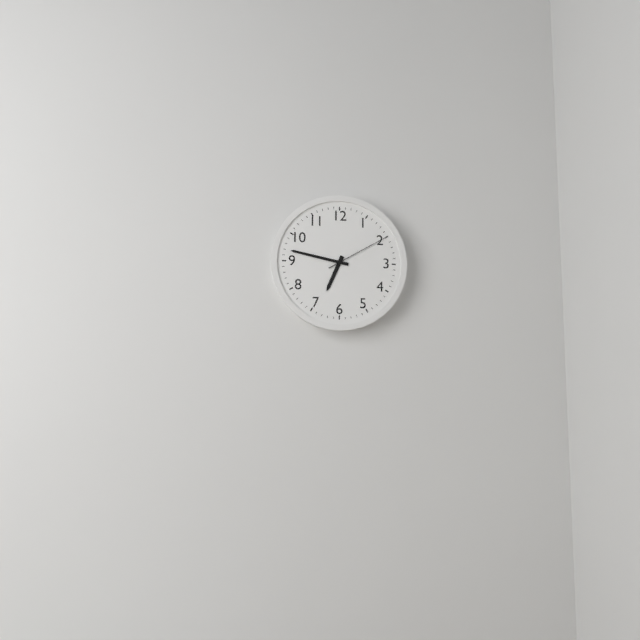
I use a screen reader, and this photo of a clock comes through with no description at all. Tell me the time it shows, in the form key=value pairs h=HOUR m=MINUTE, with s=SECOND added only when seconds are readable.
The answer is h=6 m=47 s=10
